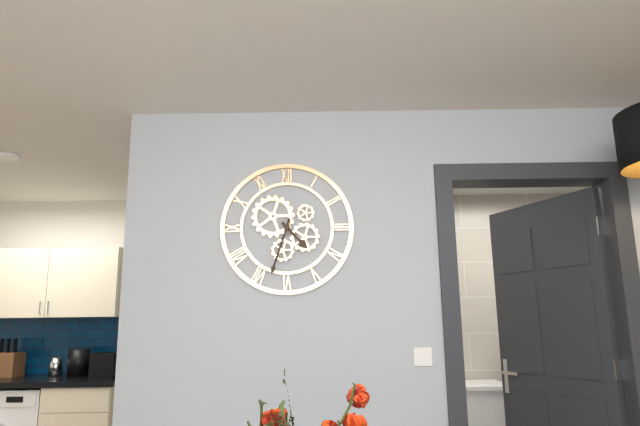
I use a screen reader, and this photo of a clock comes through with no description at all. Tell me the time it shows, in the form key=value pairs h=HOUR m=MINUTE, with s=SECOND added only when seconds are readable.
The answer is h=4 m=33
